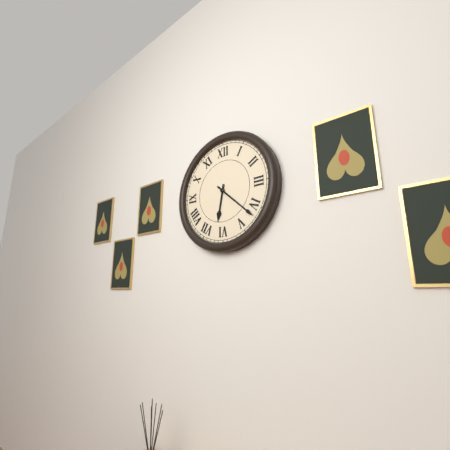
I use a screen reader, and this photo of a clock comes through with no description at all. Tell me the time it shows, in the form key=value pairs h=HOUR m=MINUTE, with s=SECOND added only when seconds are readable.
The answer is h=6 m=22
